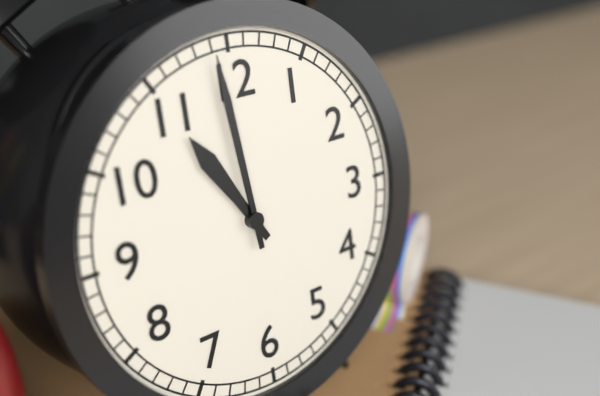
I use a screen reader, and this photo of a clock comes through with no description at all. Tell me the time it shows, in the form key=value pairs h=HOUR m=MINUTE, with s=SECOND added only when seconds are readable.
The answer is h=10 m=59
